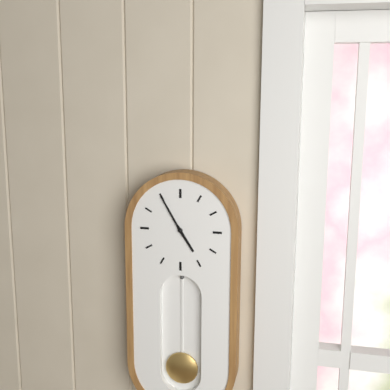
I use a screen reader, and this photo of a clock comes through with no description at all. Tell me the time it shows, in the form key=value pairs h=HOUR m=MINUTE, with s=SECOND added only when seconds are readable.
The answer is h=4 m=55
